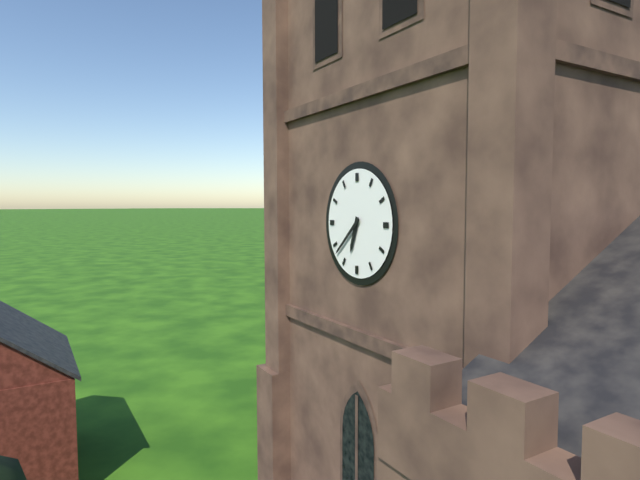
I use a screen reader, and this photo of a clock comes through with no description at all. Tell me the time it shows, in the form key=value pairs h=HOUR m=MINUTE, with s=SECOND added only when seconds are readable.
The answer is h=6 m=38
